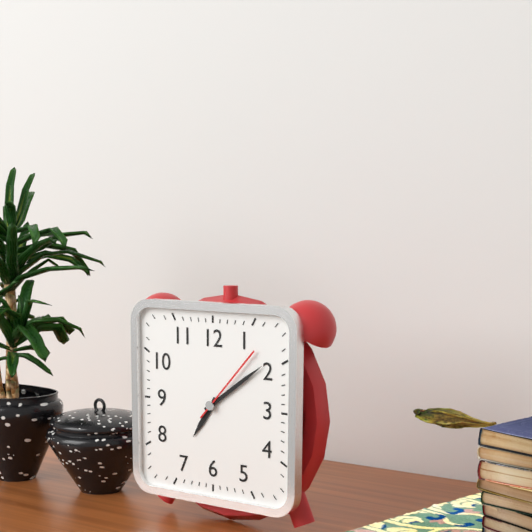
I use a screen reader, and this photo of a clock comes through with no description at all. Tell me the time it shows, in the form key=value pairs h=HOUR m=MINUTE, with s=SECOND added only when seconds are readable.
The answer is h=7 m=9 s=7
